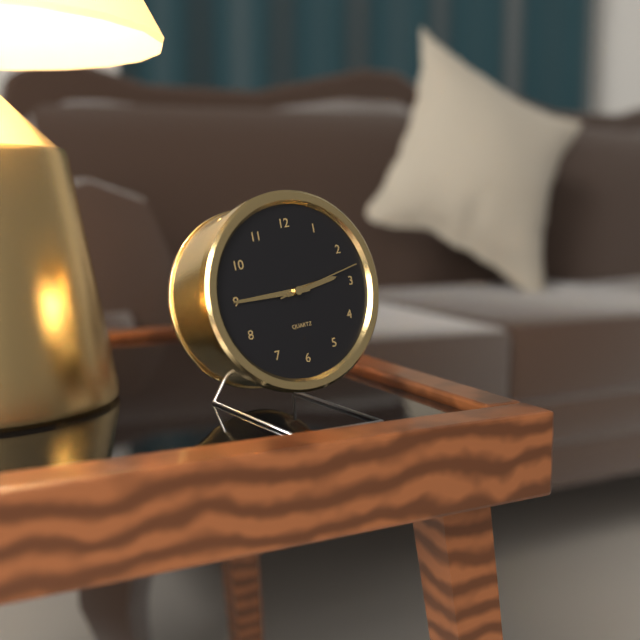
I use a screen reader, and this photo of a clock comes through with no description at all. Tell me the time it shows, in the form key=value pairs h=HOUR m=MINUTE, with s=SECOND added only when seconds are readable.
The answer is h=2 m=45 s=13
